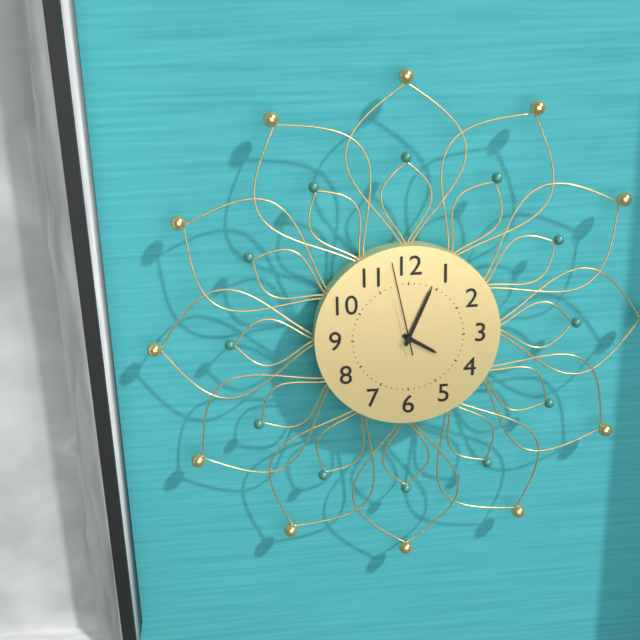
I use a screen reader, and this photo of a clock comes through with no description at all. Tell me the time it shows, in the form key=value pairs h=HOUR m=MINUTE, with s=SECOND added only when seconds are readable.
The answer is h=4 m=4 s=58
